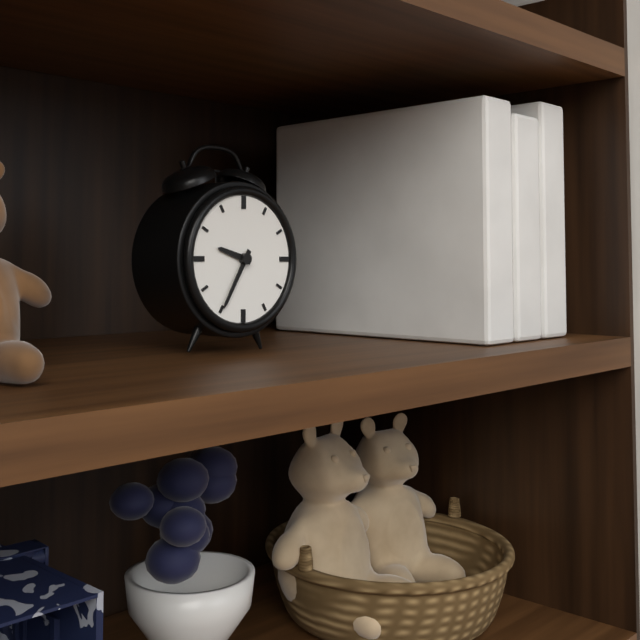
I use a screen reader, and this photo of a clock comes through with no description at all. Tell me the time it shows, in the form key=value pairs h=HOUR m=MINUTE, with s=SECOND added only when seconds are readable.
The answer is h=9 m=35
